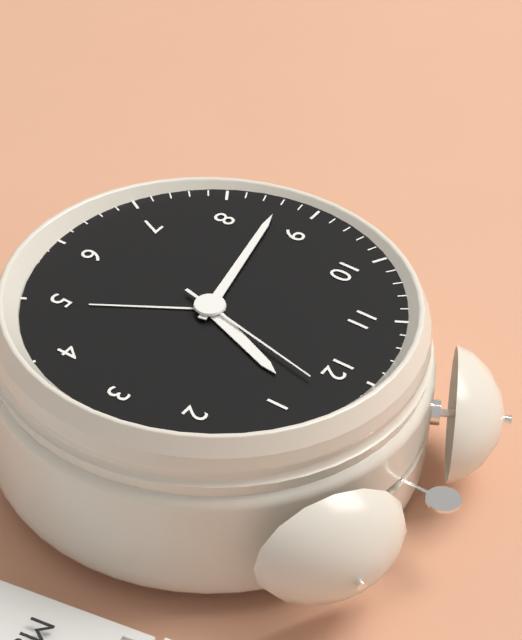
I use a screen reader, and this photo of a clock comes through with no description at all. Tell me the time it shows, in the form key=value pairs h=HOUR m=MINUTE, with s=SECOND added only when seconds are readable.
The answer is h=12 m=43 s=2
